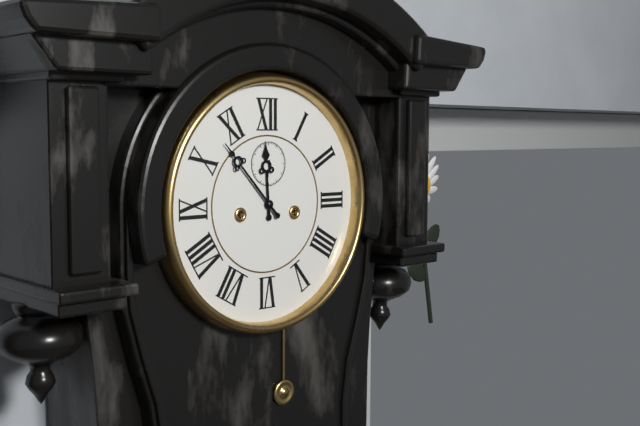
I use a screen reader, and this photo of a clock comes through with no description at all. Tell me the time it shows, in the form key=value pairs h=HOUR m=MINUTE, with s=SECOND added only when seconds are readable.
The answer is h=11 m=53
